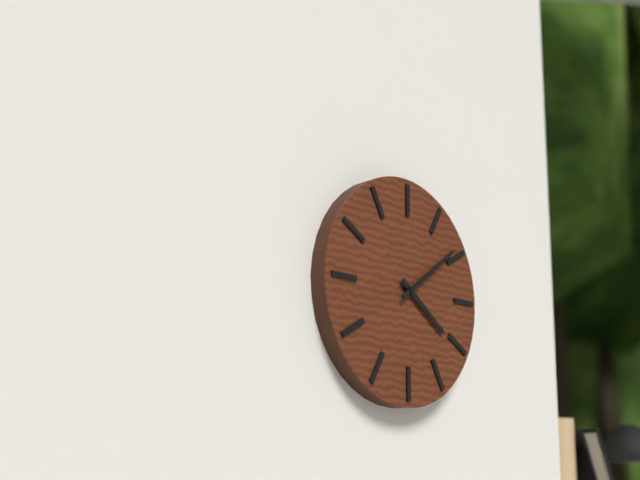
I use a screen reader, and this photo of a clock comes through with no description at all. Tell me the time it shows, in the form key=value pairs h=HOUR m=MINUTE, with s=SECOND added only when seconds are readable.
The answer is h=4 m=9
